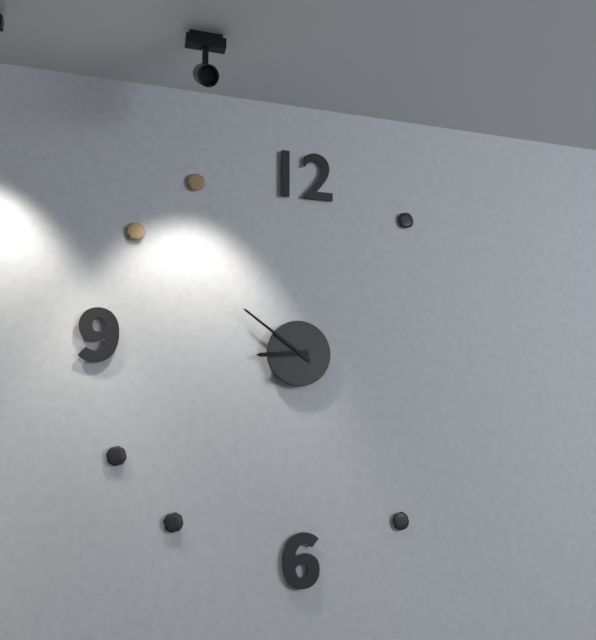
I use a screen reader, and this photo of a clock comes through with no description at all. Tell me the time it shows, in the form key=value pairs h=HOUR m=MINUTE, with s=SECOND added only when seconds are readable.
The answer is h=8 m=51
